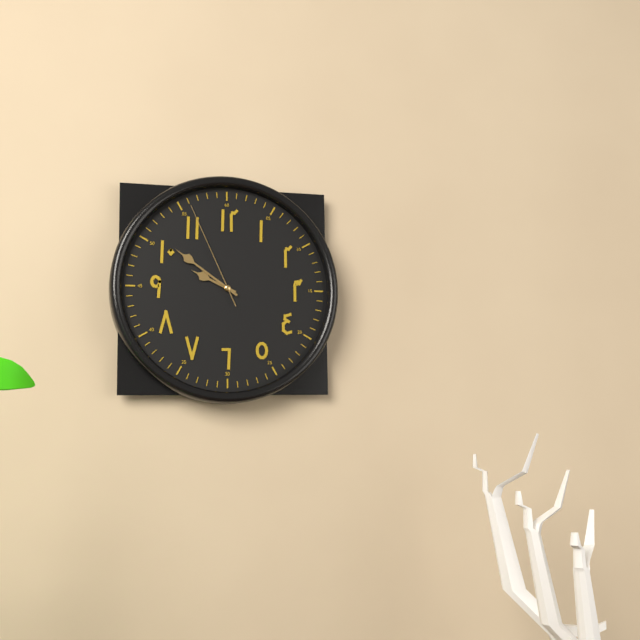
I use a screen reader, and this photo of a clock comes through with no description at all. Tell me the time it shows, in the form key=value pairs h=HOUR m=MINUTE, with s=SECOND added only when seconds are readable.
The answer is h=9 m=51 s=56
